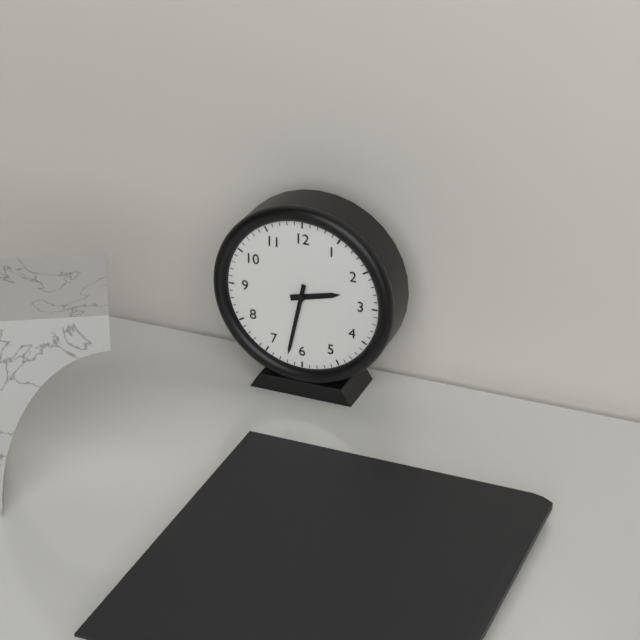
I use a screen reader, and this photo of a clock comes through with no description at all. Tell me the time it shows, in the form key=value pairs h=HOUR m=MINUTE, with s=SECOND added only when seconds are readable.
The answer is h=2 m=32
